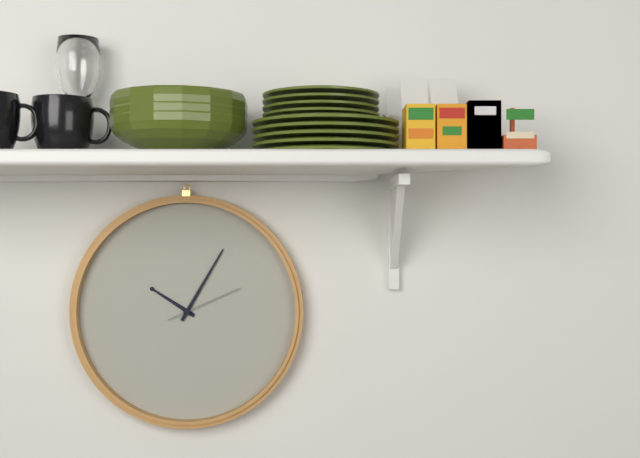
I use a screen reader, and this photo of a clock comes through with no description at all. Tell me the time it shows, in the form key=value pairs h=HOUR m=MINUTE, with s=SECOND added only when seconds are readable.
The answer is h=10 m=5 s=11
